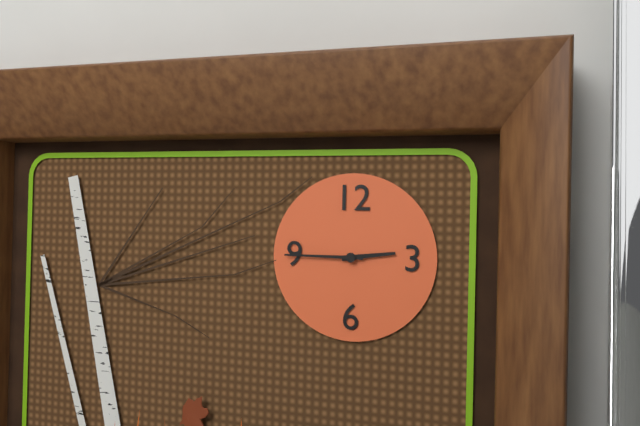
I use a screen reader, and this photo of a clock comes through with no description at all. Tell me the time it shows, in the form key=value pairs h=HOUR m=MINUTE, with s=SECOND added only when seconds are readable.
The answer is h=2 m=45
